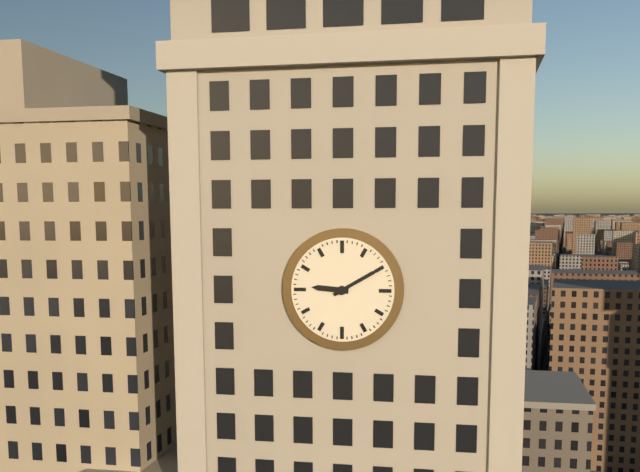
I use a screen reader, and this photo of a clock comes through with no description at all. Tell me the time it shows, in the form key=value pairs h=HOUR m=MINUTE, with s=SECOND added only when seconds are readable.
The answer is h=9 m=10
